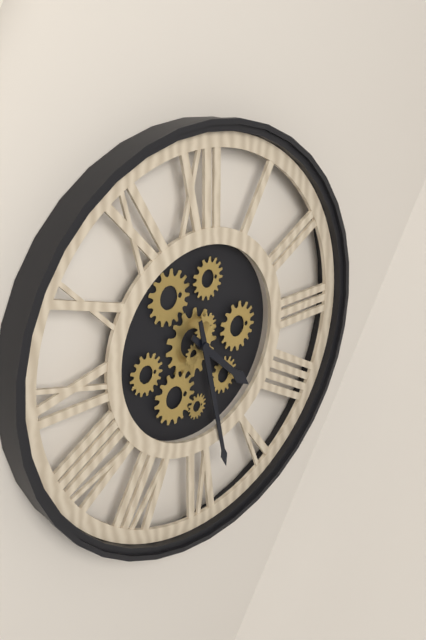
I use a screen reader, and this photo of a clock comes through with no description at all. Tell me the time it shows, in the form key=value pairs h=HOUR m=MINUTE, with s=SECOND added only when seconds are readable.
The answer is h=4 m=28
